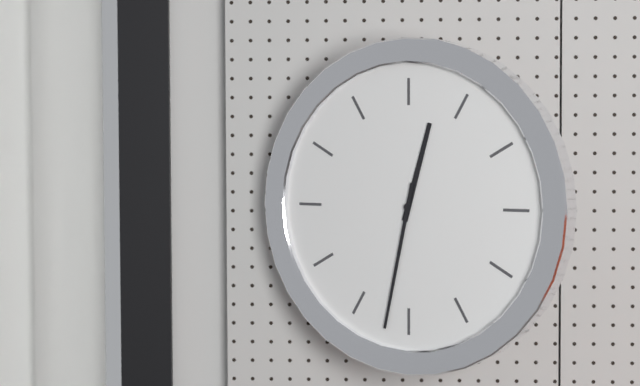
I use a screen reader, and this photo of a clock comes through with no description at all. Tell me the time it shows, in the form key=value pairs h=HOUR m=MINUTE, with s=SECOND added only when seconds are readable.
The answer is h=12 m=32
